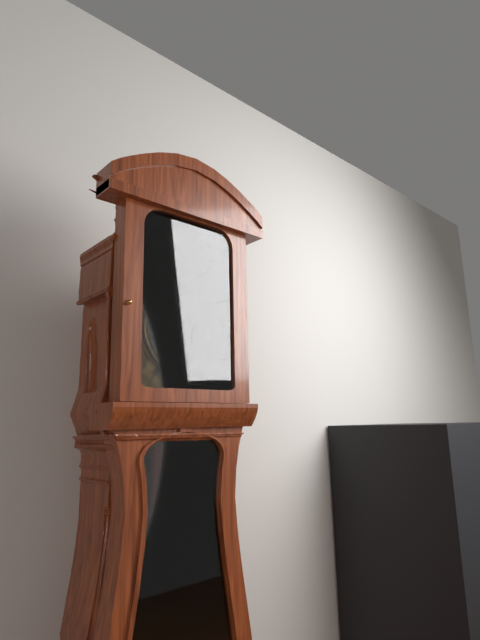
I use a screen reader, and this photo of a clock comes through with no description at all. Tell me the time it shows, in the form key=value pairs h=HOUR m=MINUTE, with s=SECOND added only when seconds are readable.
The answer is h=3 m=2
